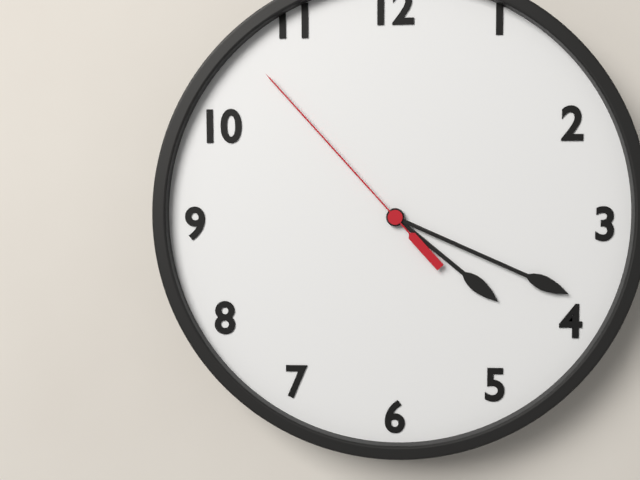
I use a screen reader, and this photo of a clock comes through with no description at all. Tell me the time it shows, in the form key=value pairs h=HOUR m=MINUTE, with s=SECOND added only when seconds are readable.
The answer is h=4 m=19 s=53
